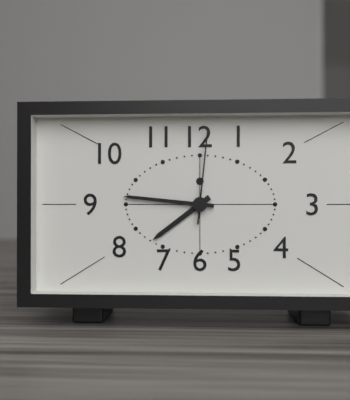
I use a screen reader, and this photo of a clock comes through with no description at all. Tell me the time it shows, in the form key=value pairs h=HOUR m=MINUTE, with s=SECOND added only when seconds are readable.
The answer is h=7 m=46 s=1
